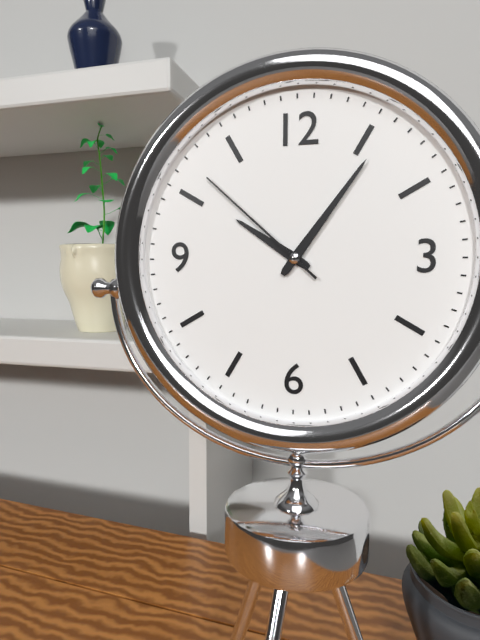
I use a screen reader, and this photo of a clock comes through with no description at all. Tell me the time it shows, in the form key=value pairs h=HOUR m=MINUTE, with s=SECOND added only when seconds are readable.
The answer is h=10 m=6 s=52
